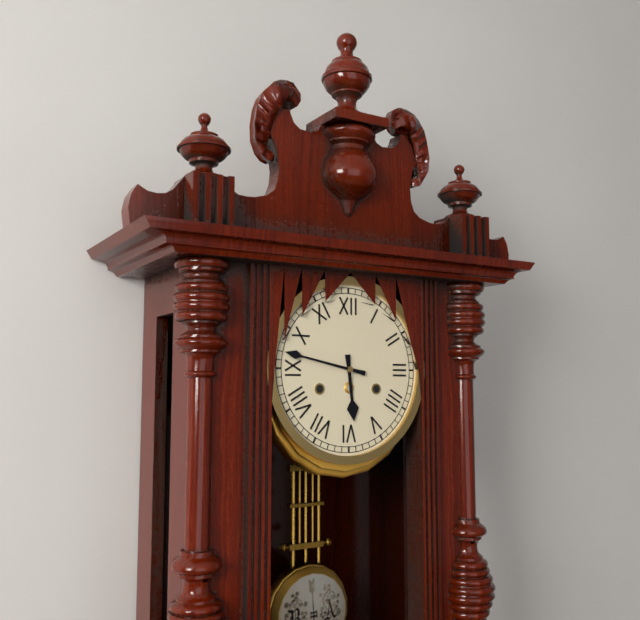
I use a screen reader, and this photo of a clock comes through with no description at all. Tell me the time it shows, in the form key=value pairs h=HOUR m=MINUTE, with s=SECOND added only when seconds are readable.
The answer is h=5 m=47
